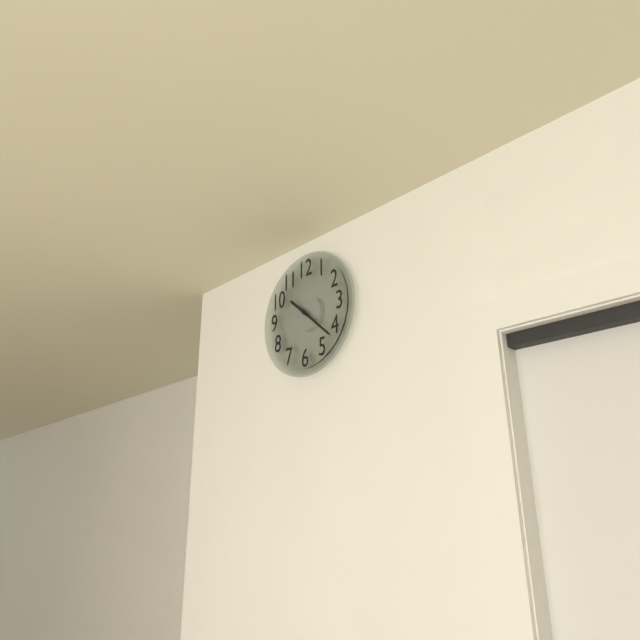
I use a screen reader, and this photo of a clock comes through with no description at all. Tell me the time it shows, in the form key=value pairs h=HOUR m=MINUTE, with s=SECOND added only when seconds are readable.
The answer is h=10 m=22
